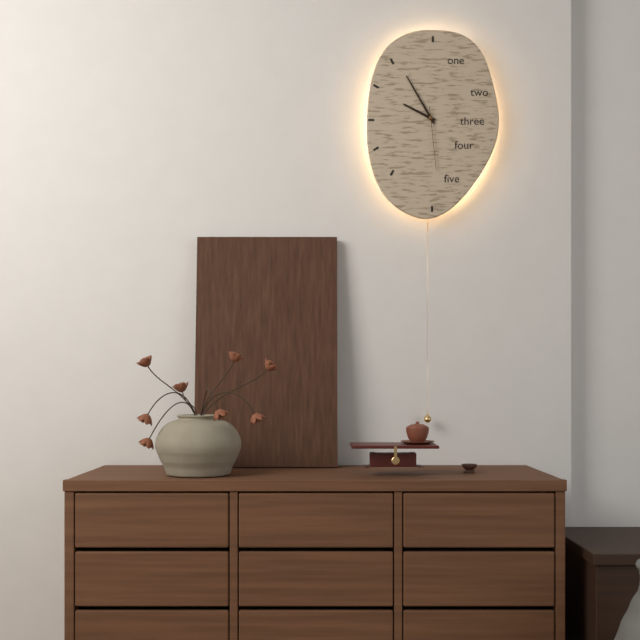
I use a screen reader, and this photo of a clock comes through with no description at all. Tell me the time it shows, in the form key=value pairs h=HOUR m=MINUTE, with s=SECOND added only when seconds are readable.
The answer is h=9 m=55 s=29
